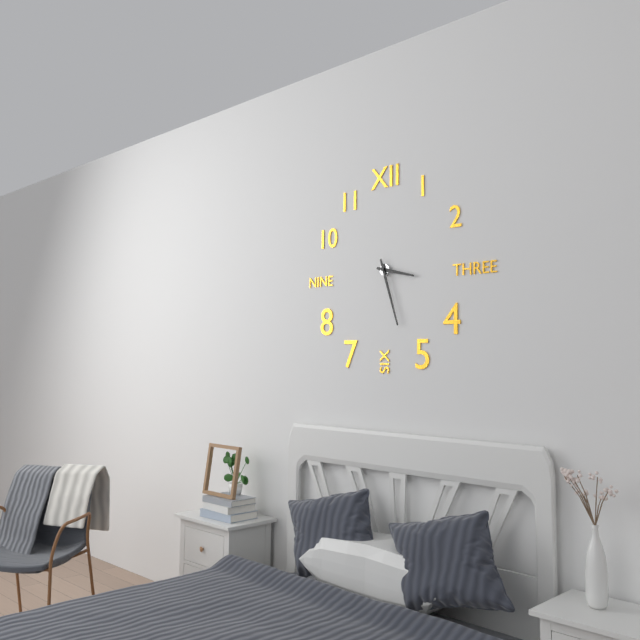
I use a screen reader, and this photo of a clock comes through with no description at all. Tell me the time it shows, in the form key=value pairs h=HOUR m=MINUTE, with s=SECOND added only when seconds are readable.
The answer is h=3 m=27
